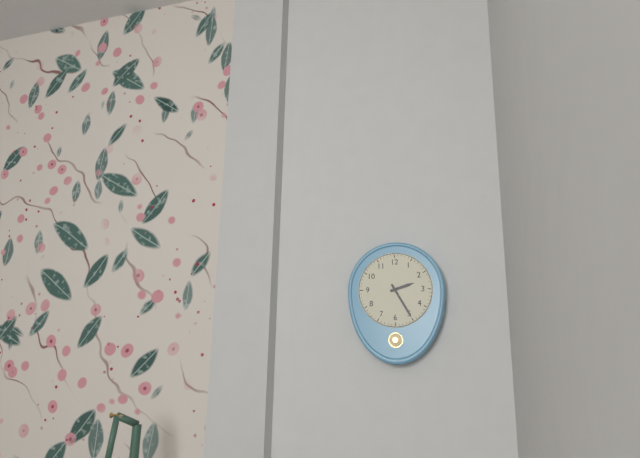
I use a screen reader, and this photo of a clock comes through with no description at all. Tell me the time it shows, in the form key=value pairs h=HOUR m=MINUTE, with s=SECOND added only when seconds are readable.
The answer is h=2 m=25
